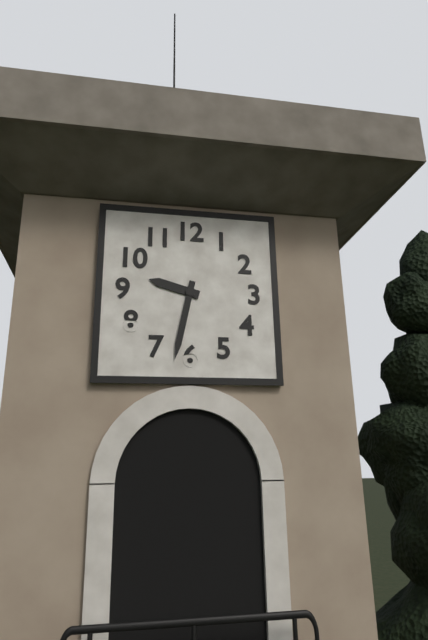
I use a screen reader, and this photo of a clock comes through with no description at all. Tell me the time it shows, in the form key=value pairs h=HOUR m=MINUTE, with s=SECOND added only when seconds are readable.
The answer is h=9 m=32
